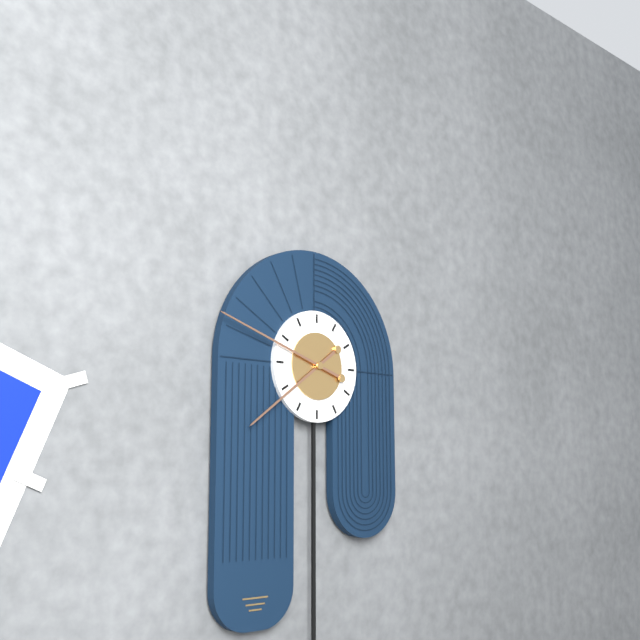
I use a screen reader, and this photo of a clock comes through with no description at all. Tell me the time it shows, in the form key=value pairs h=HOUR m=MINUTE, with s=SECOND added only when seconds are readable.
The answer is h=7 m=48
